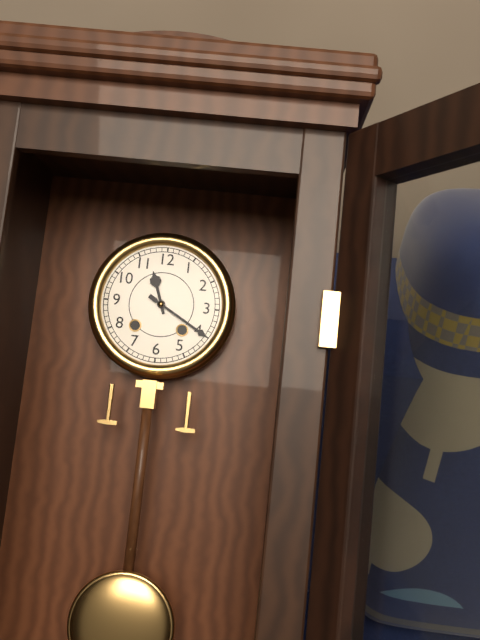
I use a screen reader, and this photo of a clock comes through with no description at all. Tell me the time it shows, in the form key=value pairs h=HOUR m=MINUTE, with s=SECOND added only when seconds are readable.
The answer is h=11 m=20
